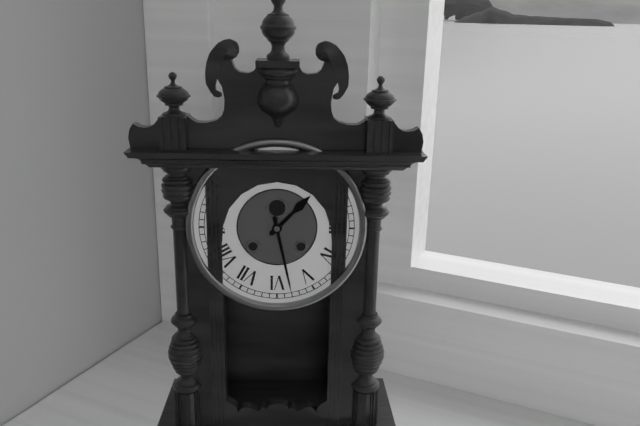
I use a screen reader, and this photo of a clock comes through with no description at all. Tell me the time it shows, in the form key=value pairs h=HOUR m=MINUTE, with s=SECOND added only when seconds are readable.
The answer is h=1 m=28
